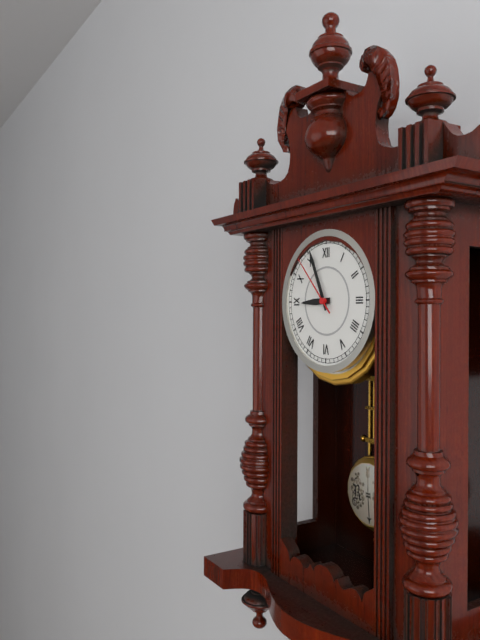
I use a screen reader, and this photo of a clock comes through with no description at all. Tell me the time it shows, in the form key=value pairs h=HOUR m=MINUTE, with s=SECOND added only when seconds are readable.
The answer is h=8 m=56 s=53
